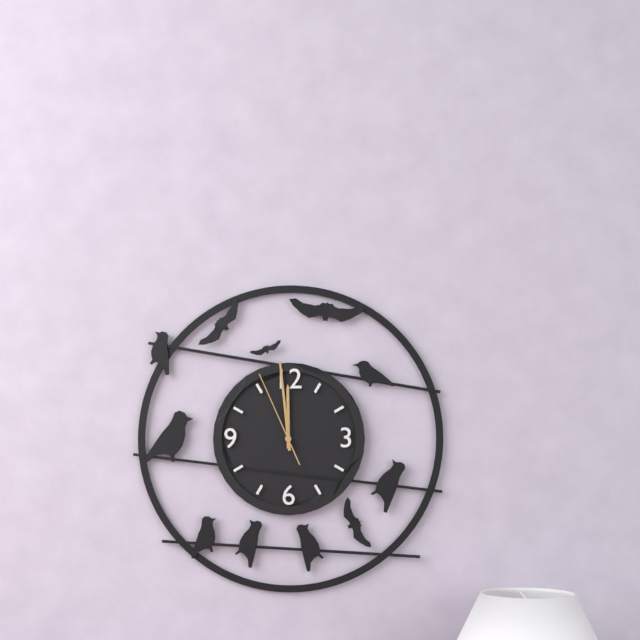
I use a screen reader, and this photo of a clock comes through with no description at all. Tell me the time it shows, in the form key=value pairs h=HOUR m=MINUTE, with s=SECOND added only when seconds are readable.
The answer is h=11 m=59 s=56
